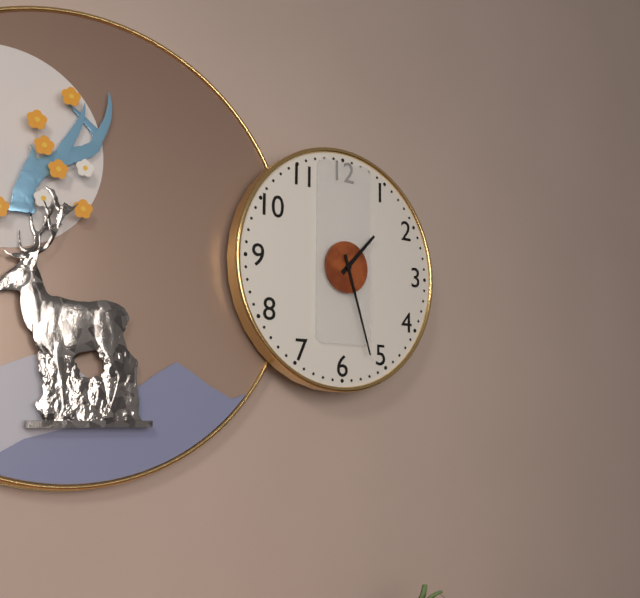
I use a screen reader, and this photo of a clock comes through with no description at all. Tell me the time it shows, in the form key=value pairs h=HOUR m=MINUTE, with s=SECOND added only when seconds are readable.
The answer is h=1 m=27
